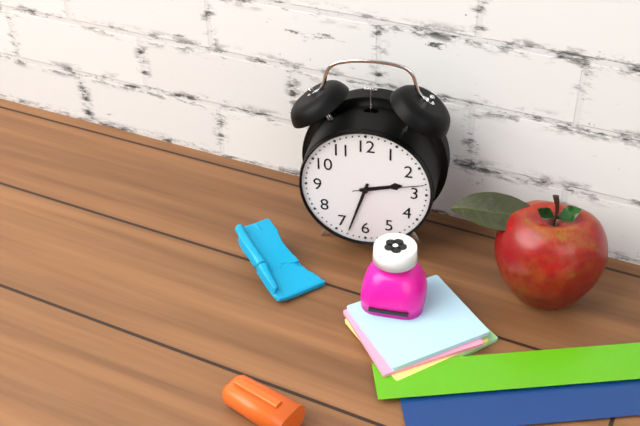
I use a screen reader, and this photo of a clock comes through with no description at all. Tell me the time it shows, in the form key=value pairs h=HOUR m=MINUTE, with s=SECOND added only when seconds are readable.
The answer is h=2 m=33 s=13
